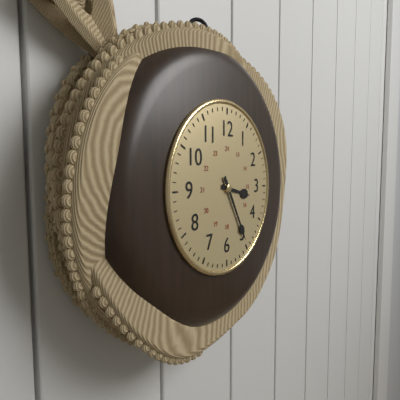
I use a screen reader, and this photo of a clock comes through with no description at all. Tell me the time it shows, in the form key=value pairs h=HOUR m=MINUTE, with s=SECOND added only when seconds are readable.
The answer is h=3 m=25
